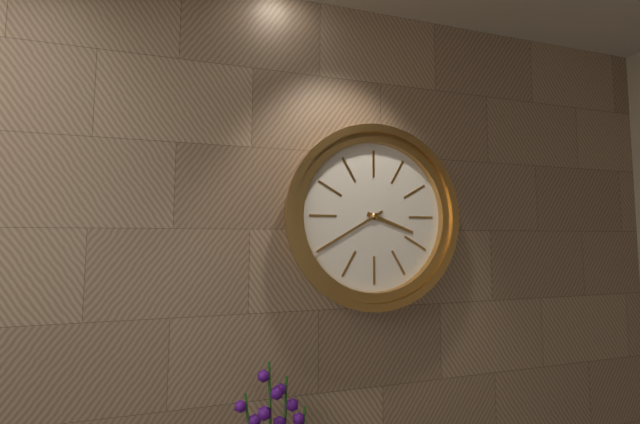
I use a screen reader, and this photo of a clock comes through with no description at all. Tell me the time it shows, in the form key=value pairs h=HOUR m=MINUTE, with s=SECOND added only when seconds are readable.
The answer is h=3 m=40
